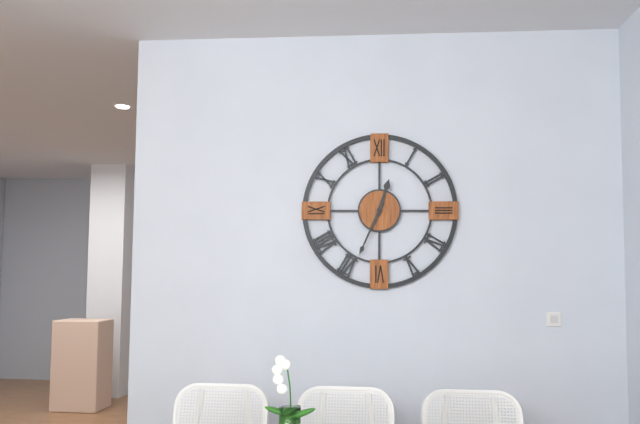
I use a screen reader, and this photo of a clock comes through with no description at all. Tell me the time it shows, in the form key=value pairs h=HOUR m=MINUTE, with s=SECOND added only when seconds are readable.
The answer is h=12 m=34
